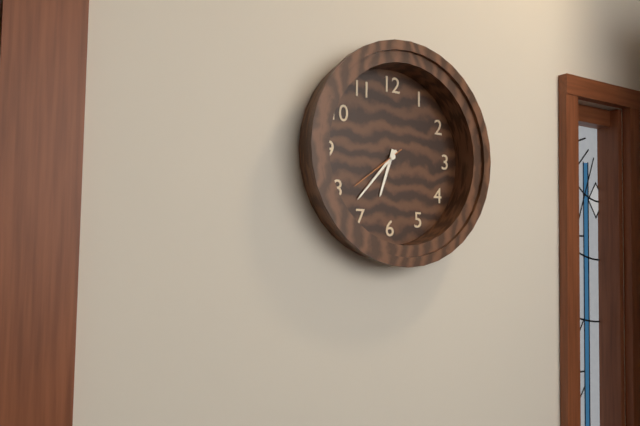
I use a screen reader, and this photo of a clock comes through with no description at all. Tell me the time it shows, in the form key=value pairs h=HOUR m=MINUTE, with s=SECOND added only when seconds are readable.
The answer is h=6 m=37 s=39
